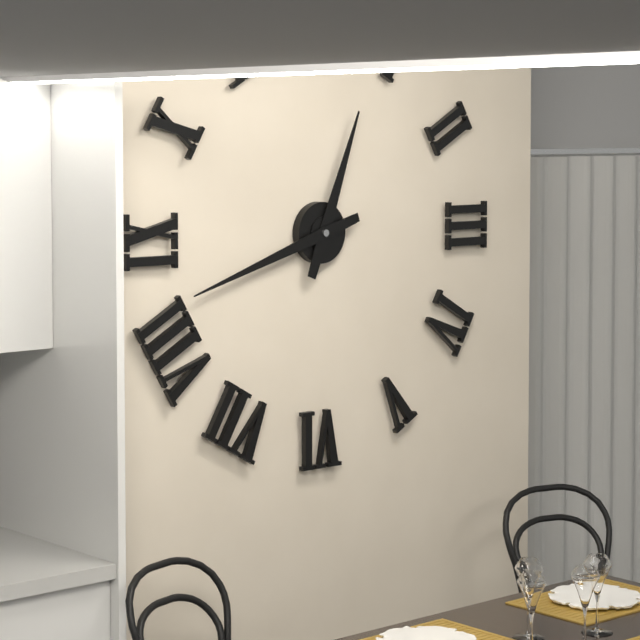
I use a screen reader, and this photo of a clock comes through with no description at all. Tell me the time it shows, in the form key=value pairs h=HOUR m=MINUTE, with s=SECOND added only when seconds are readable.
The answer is h=12 m=42
